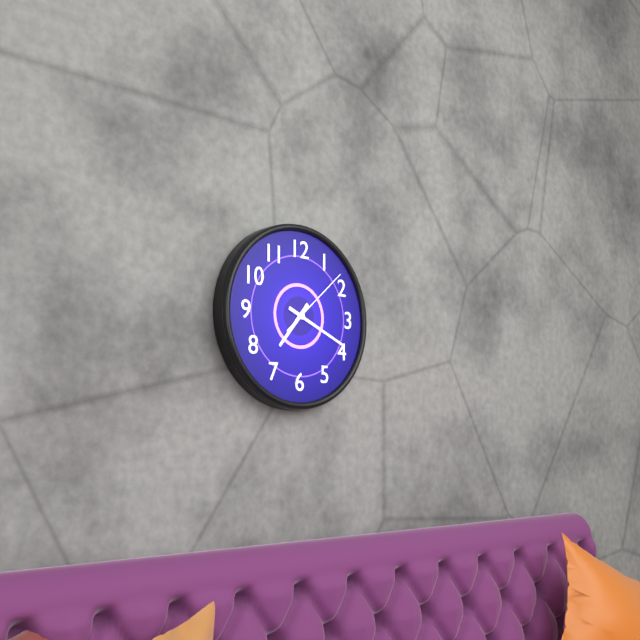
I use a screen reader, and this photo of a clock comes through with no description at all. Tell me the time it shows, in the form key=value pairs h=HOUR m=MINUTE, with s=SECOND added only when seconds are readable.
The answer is h=7 m=19 s=8
